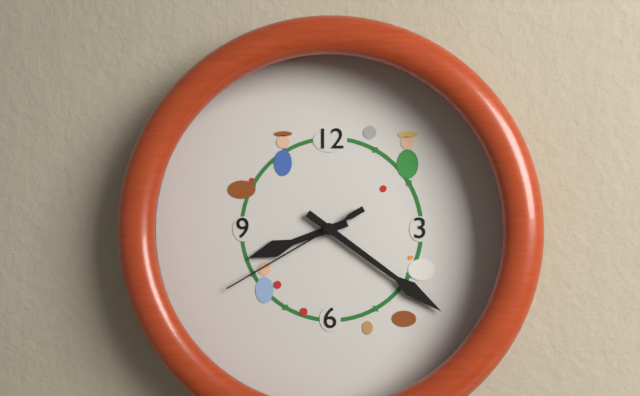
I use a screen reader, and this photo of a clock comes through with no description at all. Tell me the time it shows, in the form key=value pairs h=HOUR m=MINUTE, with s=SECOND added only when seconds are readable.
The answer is h=8 m=21 s=40
